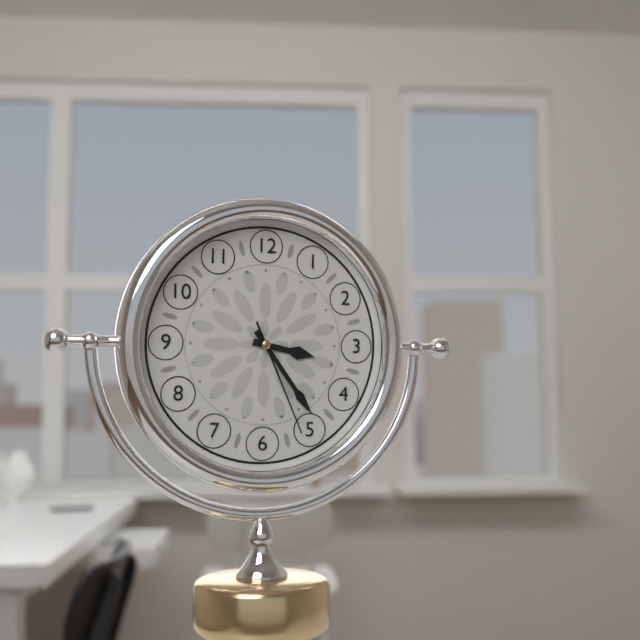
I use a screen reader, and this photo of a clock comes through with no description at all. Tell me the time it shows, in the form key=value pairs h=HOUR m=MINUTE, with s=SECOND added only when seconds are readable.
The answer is h=3 m=24 s=26
